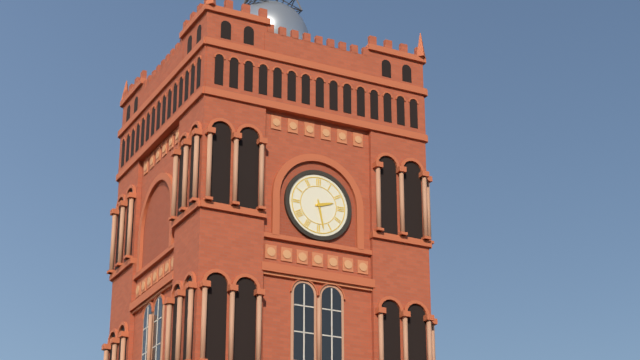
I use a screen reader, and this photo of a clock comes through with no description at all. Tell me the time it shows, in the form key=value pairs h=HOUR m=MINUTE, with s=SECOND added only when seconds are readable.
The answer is h=2 m=28
